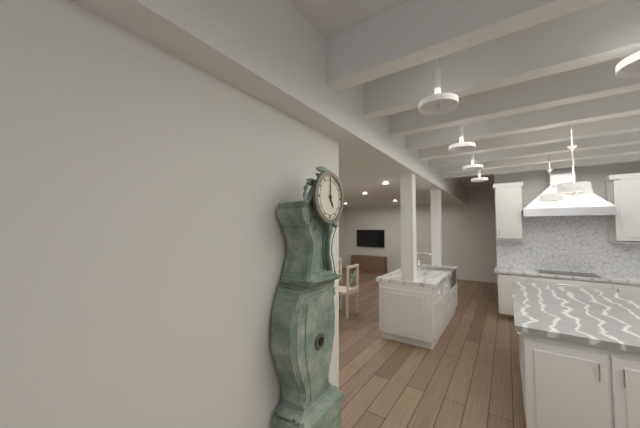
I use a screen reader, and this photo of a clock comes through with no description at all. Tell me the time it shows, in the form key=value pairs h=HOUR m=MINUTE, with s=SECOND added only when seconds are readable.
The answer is h=5 m=0
